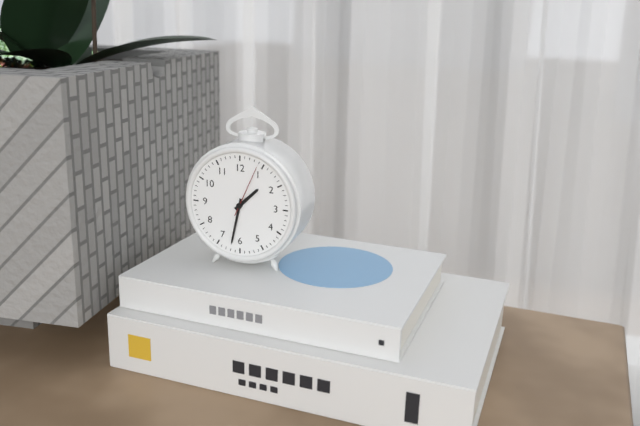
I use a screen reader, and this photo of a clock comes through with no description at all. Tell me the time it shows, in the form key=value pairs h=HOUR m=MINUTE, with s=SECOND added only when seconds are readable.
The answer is h=1 m=32 s=4
